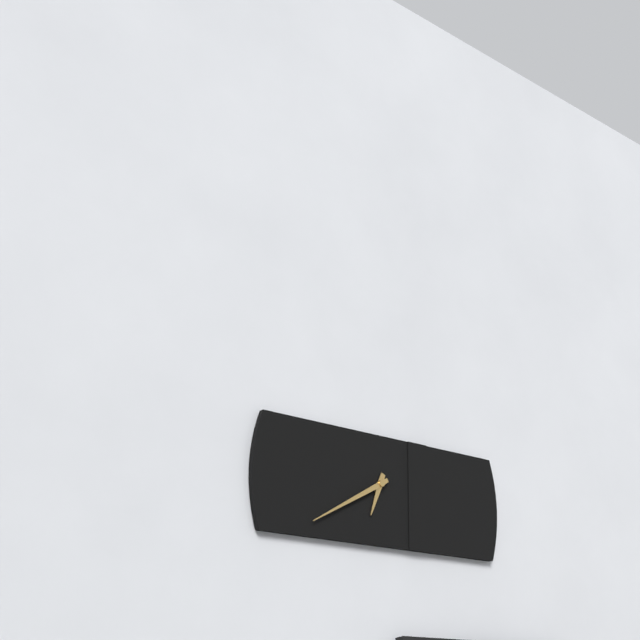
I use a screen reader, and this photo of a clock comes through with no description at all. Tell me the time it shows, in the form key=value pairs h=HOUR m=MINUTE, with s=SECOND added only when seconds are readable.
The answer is h=6 m=40
